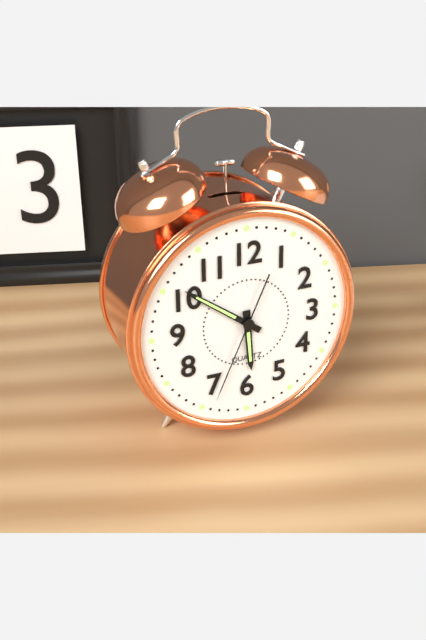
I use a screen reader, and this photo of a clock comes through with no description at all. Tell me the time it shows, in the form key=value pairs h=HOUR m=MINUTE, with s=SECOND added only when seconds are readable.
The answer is h=5 m=51 s=34
